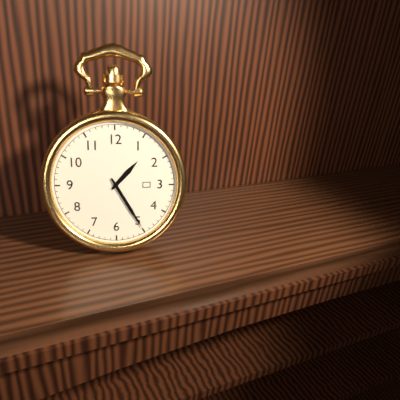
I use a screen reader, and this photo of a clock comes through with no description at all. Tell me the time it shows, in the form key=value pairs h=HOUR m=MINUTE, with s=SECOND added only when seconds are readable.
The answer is h=1 m=25
